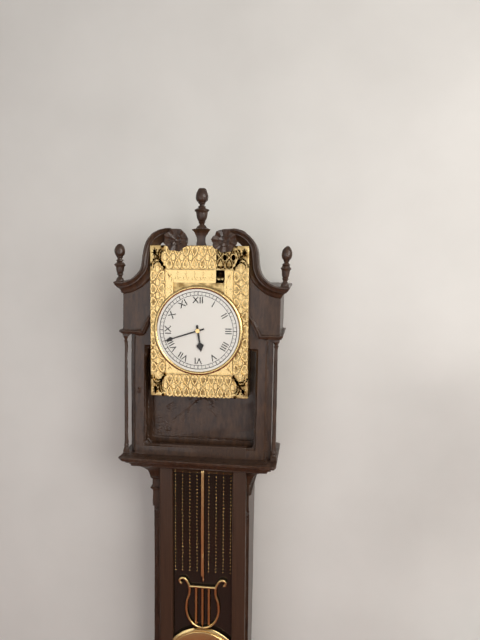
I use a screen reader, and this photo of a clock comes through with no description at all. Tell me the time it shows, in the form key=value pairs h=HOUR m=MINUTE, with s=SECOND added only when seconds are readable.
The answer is h=5 m=42
